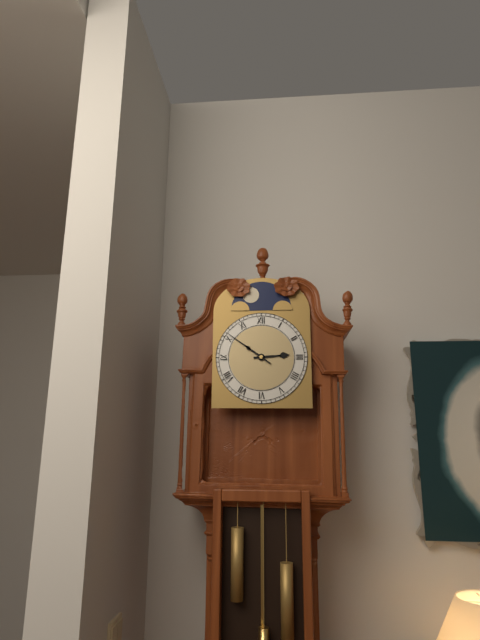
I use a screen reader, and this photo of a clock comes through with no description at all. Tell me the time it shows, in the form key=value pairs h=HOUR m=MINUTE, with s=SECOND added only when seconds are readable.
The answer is h=2 m=51
